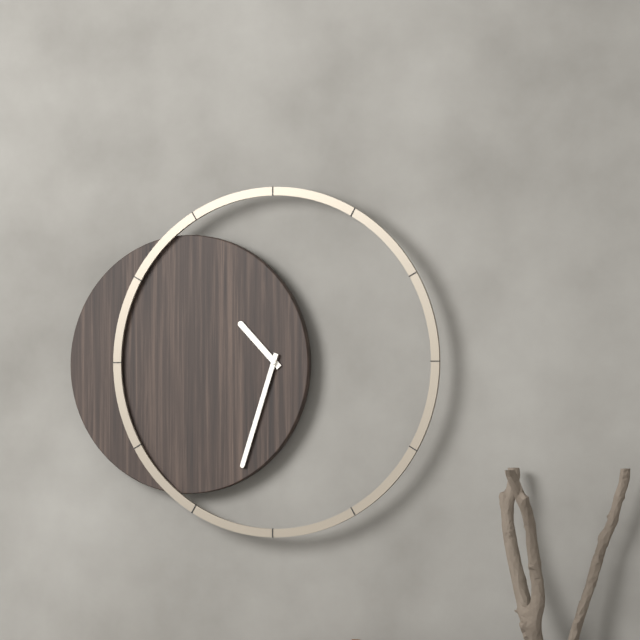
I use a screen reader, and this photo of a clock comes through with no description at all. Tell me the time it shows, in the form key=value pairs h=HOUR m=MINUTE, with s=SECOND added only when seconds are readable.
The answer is h=10 m=33
